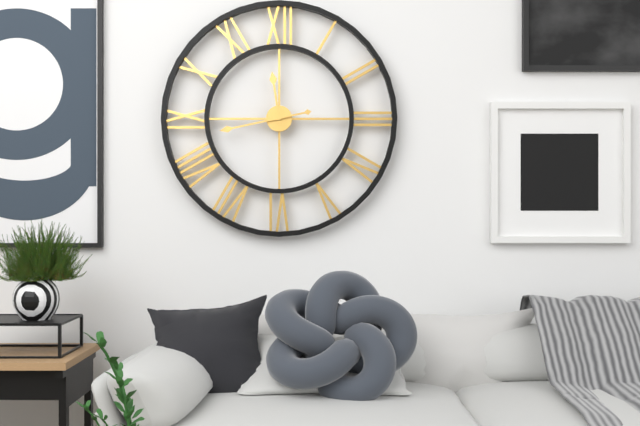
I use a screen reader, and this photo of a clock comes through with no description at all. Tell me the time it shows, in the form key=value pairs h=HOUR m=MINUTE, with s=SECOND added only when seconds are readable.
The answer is h=11 m=43
